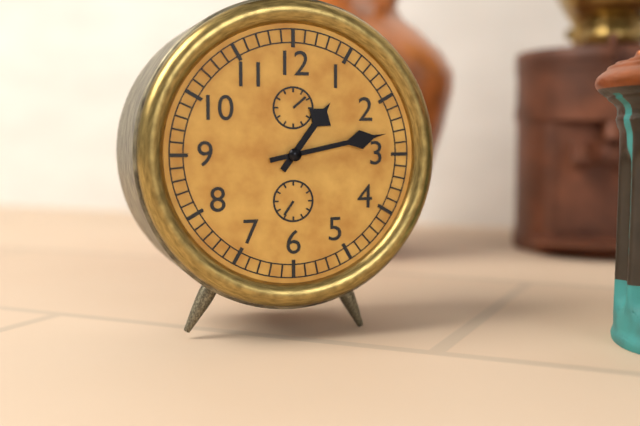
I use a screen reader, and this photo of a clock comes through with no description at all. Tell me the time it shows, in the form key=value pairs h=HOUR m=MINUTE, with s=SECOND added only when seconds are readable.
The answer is h=1 m=13
